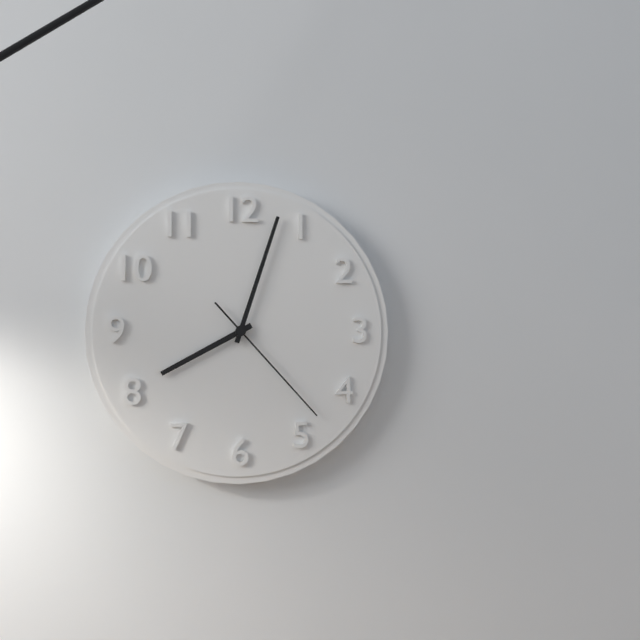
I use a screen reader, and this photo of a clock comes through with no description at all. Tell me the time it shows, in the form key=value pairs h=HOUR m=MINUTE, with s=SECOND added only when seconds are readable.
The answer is h=8 m=3 s=23
